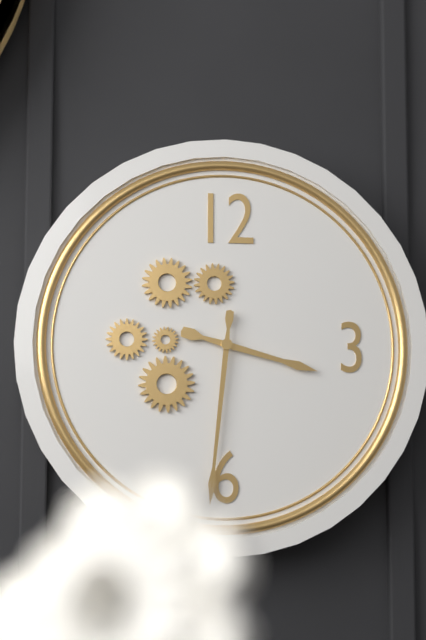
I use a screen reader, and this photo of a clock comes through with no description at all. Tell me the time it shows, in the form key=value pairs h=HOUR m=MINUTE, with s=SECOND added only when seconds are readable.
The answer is h=3 m=31
